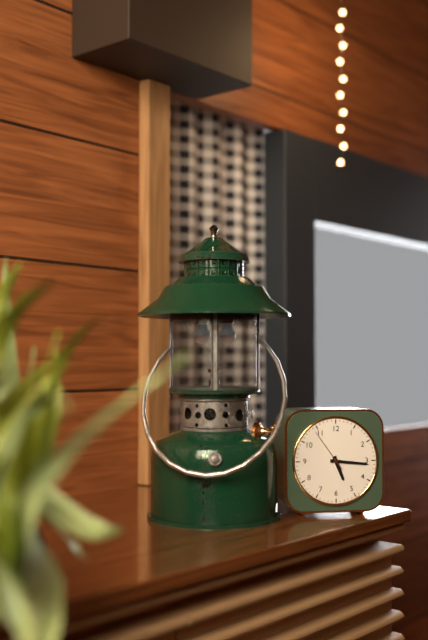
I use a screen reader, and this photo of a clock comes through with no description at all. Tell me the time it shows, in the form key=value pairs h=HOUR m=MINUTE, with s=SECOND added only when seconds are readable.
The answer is h=5 m=16
